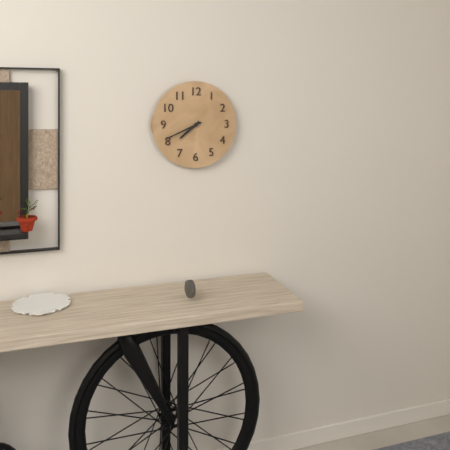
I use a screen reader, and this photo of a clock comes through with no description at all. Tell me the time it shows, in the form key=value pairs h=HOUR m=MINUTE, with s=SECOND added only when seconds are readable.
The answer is h=7 m=41
